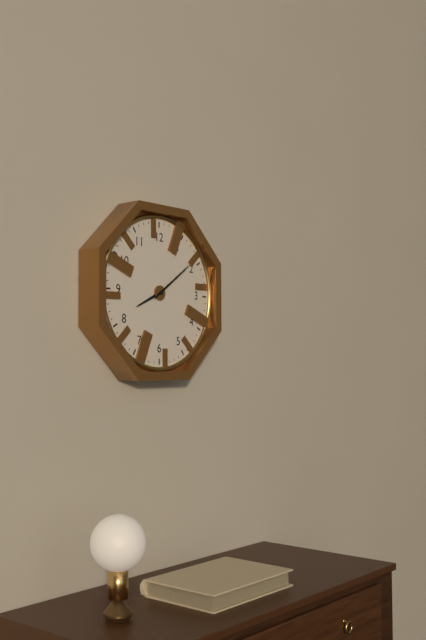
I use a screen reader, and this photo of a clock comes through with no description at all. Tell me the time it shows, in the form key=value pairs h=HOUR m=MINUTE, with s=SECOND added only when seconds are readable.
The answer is h=8 m=9
